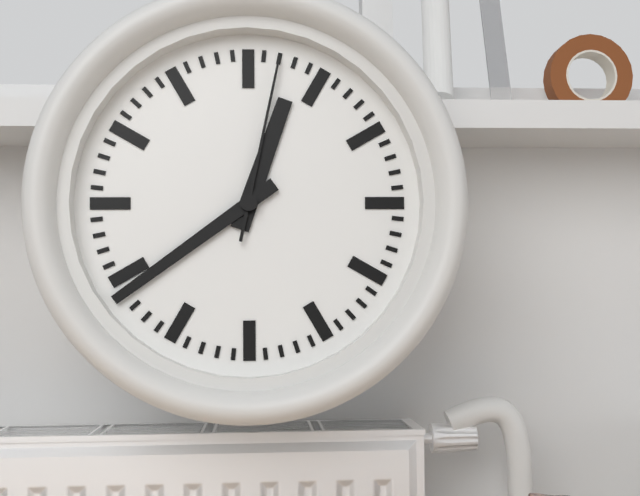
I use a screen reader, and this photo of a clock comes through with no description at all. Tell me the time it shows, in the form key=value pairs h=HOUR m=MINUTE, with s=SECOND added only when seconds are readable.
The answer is h=12 m=39 s=2
